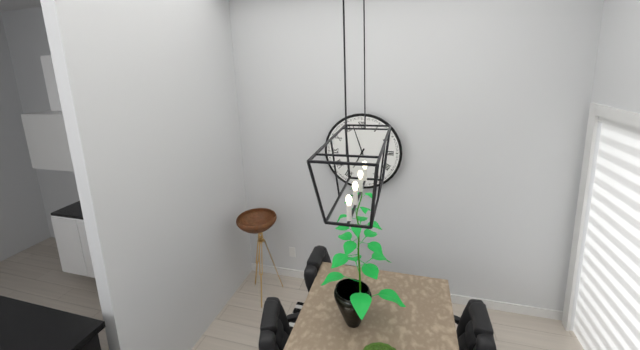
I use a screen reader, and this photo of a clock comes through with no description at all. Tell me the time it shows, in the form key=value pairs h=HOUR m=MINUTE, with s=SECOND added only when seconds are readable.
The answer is h=6 m=57
